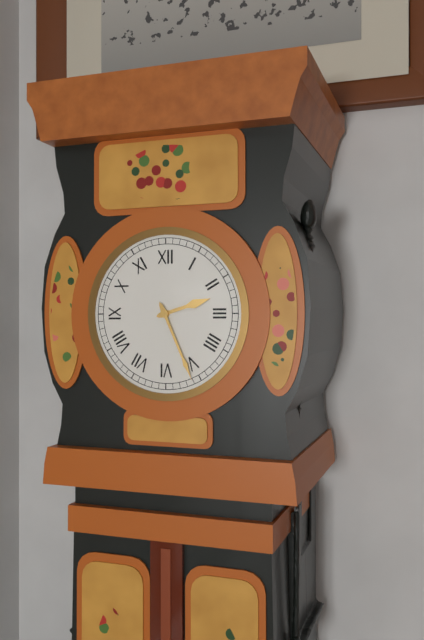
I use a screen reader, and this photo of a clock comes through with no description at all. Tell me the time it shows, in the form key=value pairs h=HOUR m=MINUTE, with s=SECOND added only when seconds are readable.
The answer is h=2 m=26
